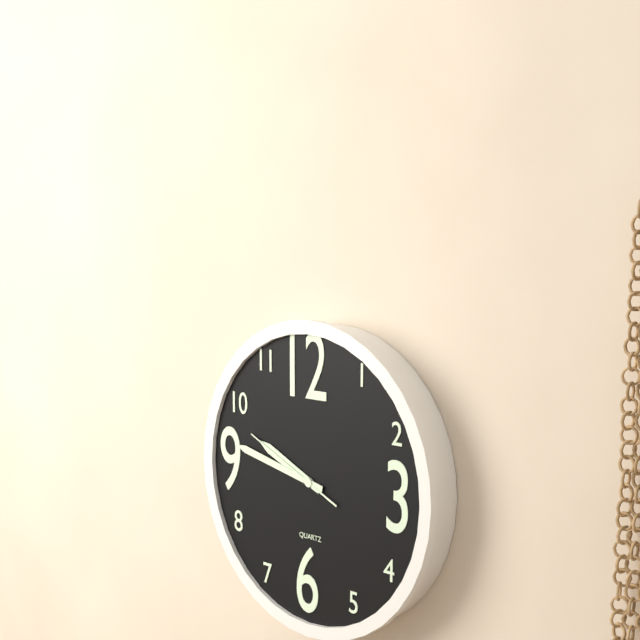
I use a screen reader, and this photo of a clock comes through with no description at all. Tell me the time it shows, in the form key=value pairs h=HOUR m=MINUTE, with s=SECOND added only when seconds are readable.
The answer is h=9 m=47 s=49
